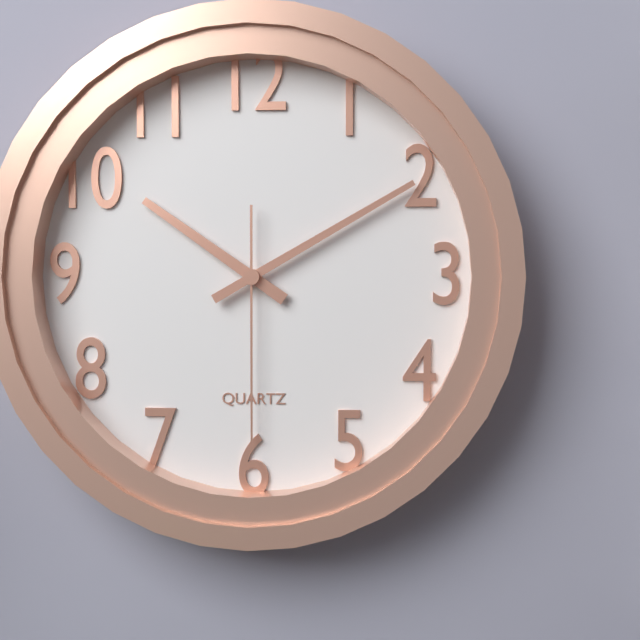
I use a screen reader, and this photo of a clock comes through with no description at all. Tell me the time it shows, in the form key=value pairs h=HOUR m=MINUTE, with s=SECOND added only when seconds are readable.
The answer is h=10 m=10 s=30
